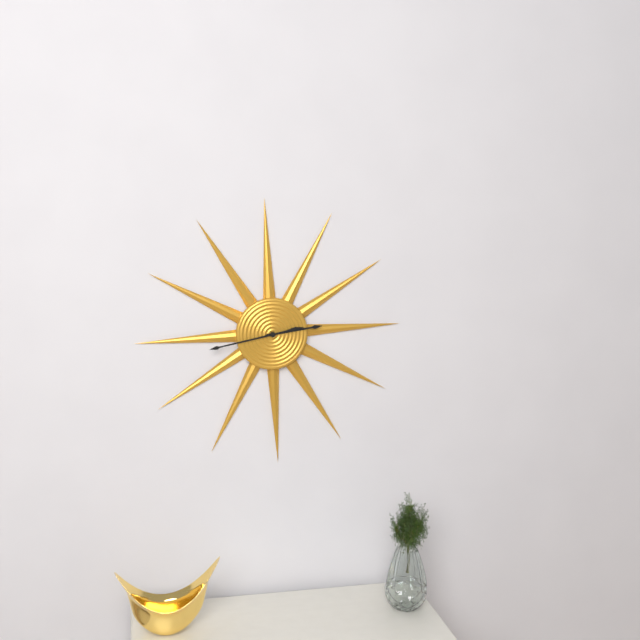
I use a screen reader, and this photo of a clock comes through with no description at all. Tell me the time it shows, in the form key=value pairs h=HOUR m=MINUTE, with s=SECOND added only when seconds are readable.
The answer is h=2 m=43
